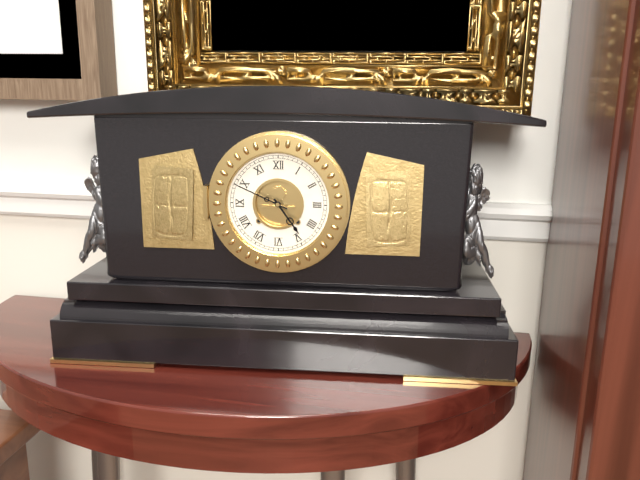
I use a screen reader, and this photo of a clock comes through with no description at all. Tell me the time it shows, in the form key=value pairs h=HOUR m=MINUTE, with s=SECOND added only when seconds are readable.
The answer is h=4 m=49
